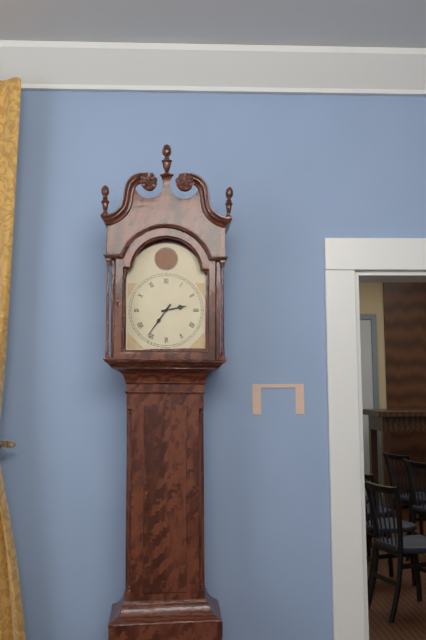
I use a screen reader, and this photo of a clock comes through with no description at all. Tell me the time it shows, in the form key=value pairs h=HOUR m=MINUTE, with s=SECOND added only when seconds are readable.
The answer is h=2 m=36
